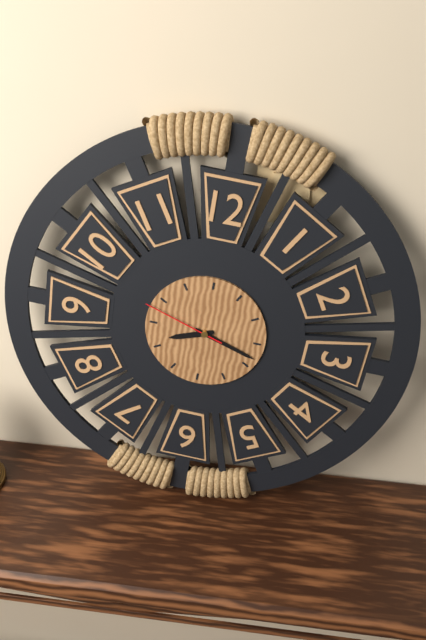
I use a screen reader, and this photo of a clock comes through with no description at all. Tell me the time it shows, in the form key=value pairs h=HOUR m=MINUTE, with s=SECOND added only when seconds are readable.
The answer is h=8 m=18 s=48
